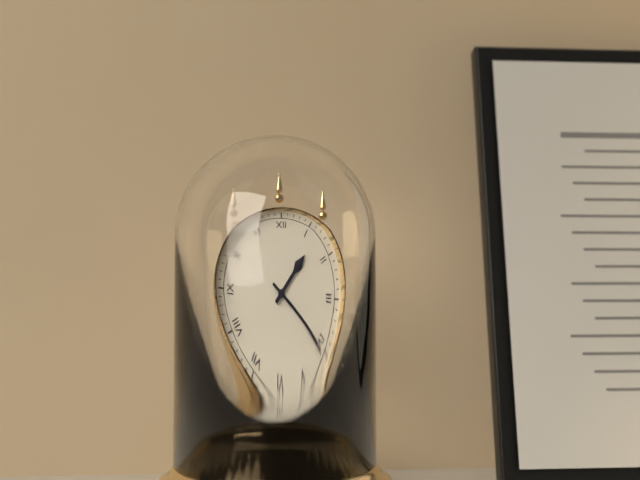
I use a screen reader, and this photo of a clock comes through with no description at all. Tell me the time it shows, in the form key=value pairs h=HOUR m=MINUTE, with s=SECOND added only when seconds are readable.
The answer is h=1 m=21
